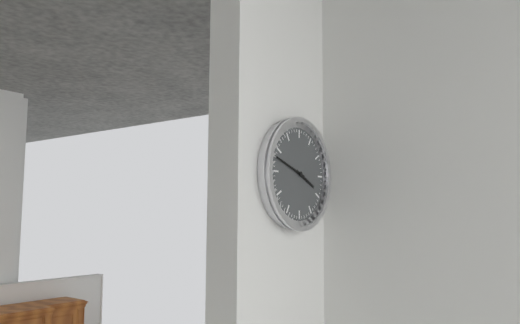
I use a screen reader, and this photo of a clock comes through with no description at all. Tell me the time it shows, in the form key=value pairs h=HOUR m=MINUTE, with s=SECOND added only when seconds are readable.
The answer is h=3 m=48
